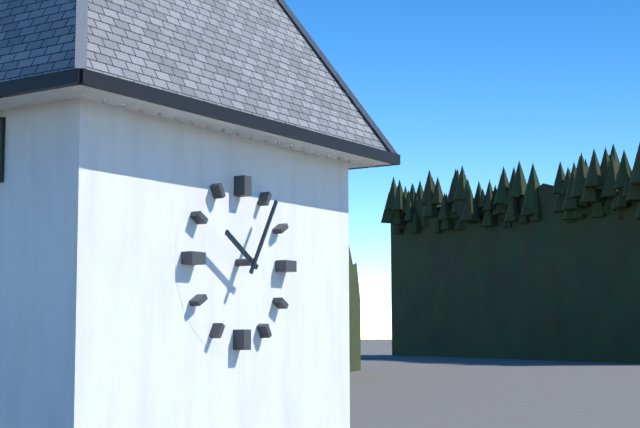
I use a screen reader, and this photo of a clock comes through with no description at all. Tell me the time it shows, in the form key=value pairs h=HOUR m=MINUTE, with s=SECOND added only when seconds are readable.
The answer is h=10 m=5
